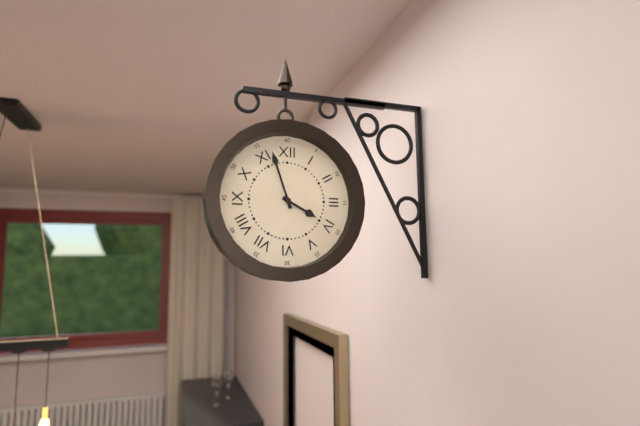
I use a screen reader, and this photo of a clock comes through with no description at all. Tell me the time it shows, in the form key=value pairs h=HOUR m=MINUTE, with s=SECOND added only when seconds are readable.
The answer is h=3 m=57
